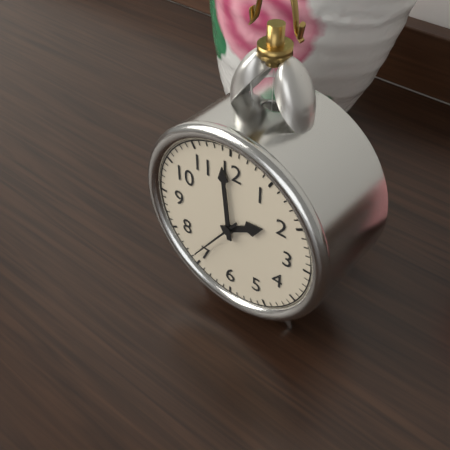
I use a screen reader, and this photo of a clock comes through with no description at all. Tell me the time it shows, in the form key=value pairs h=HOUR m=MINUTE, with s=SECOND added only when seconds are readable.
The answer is h=1 m=59 s=36
